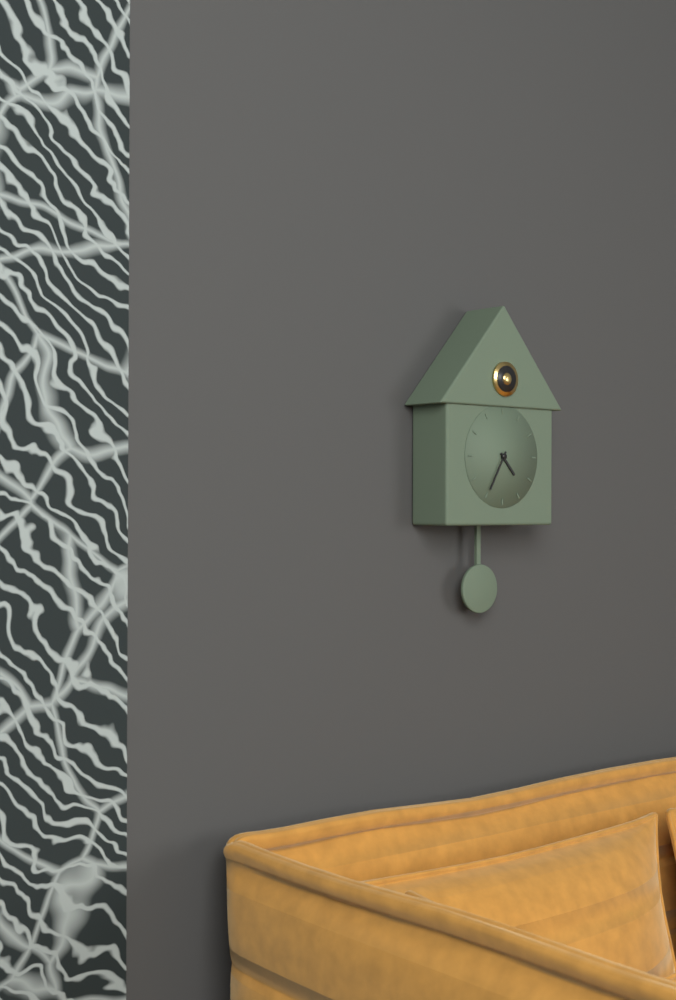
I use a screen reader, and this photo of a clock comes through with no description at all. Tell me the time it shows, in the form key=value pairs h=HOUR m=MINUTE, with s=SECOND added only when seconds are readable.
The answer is h=4 m=35
